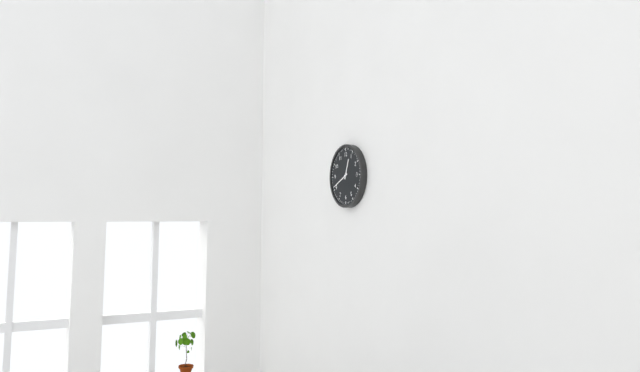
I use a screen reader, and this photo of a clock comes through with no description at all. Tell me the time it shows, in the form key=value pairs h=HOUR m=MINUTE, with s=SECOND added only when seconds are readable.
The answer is h=12 m=41
